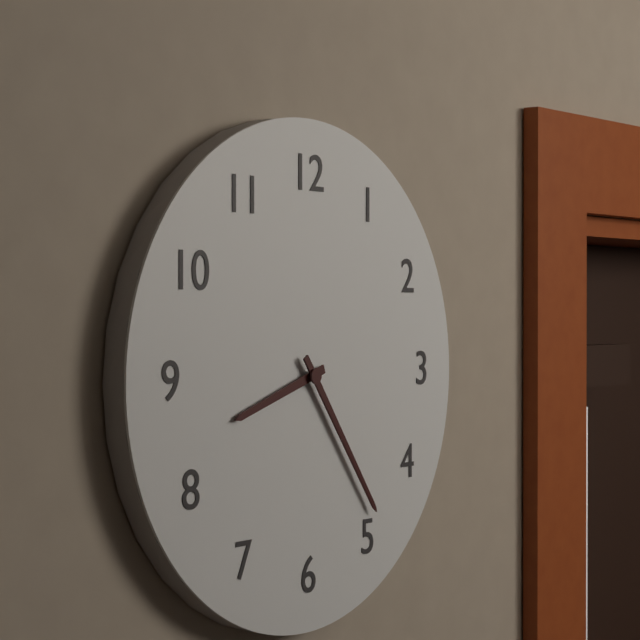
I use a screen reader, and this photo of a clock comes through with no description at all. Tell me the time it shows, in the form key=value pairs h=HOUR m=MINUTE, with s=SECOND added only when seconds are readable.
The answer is h=8 m=24
